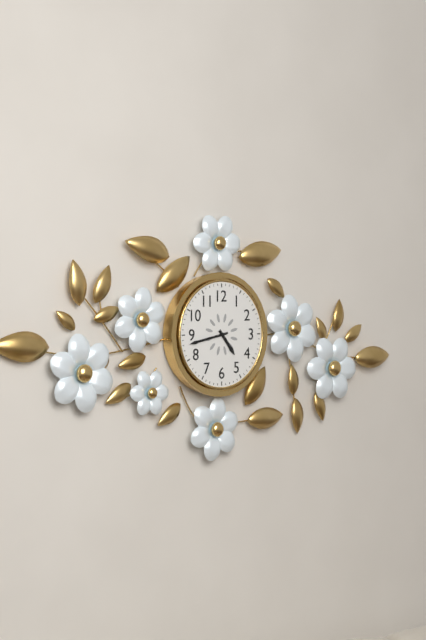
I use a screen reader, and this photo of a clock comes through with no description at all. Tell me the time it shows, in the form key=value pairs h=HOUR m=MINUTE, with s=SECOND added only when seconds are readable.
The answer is h=4 m=43
